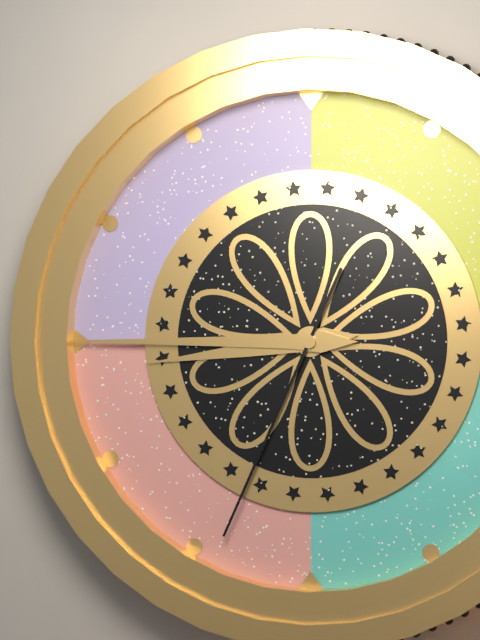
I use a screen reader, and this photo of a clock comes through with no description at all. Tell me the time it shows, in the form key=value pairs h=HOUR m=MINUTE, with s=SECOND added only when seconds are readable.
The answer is h=8 m=45 s=34
